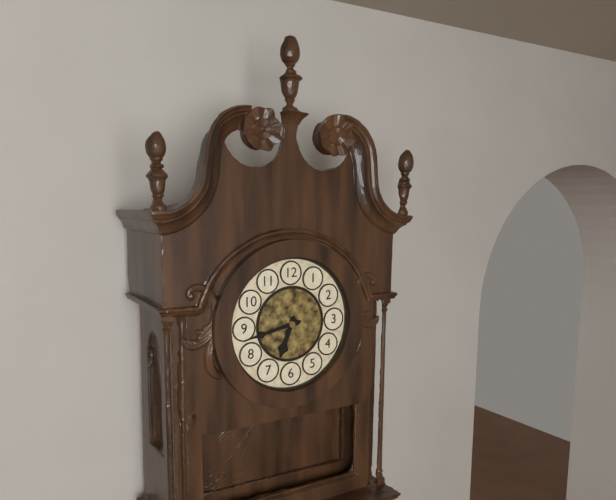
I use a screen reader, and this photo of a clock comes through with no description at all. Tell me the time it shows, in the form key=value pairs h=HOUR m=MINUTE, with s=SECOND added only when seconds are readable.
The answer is h=6 m=43
